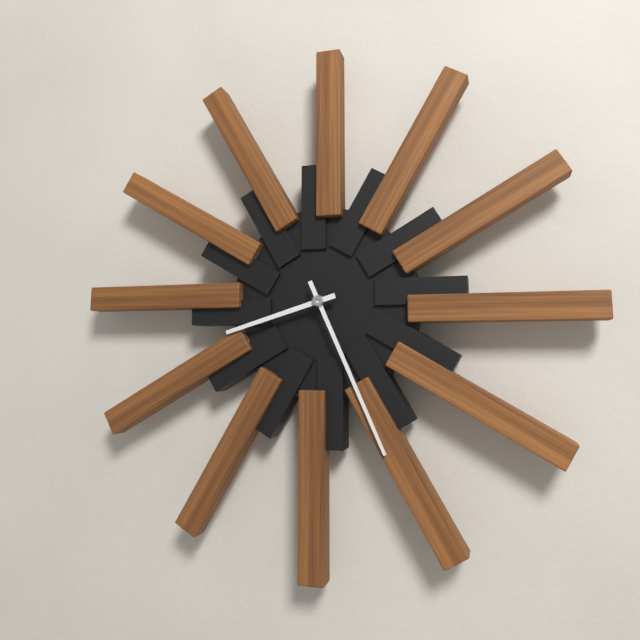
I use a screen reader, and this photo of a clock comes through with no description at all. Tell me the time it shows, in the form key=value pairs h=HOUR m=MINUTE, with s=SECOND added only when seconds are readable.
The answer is h=8 m=26
